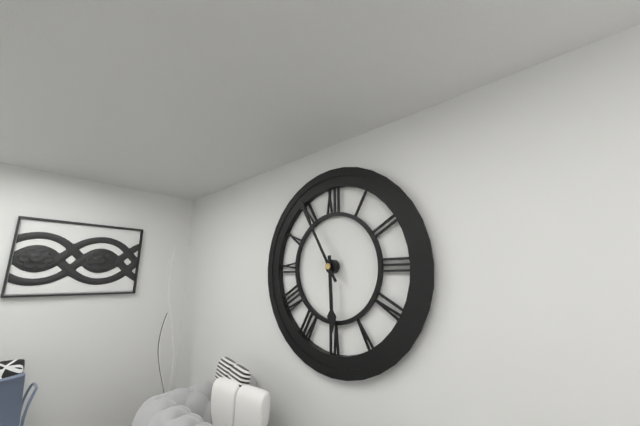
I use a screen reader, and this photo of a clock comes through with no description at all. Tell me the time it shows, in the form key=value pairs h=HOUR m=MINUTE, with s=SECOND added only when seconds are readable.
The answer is h=5 m=55
